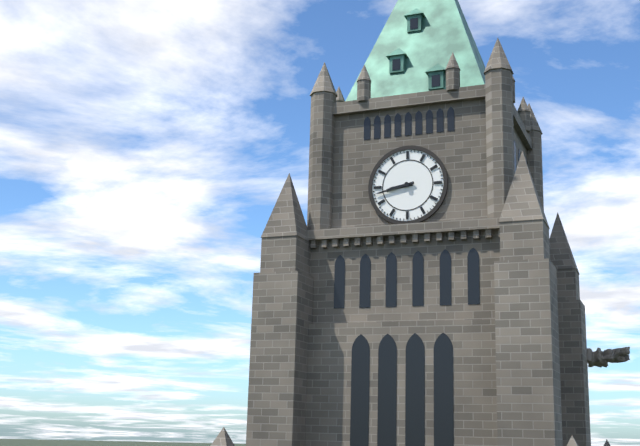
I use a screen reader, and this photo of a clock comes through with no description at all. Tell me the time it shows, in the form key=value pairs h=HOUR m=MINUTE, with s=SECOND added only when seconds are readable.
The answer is h=8 m=43
